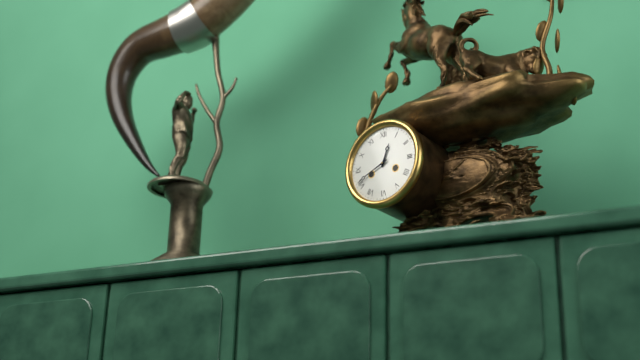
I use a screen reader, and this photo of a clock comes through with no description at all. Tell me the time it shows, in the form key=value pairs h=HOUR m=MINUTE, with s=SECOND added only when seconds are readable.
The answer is h=12 m=41
